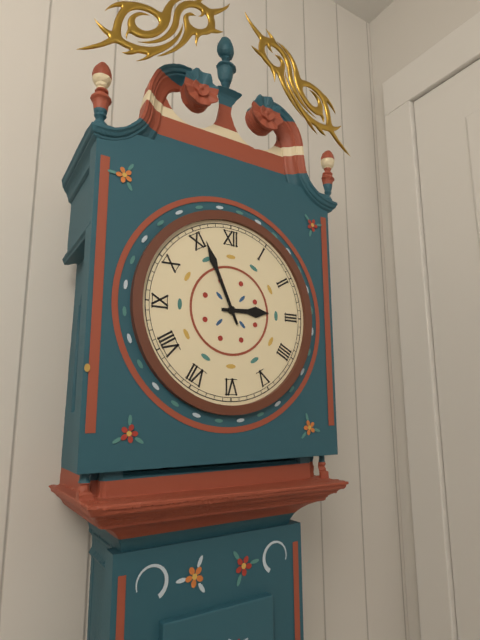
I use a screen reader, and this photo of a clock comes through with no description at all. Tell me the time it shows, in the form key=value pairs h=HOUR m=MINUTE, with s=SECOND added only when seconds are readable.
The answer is h=2 m=56
